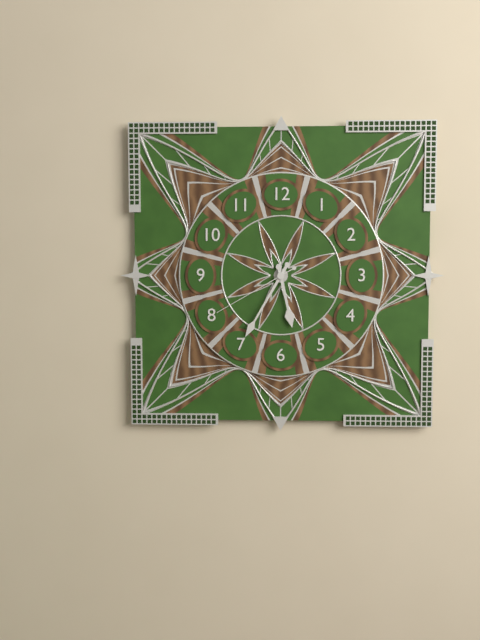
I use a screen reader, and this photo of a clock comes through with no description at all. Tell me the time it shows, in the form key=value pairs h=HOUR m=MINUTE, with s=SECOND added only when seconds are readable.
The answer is h=5 m=35 s=40
